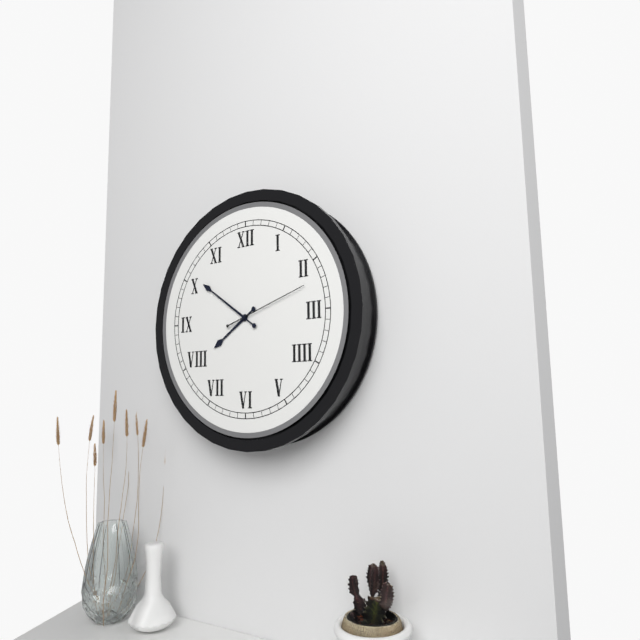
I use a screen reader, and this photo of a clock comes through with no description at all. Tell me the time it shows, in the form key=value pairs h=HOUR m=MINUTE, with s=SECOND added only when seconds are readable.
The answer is h=7 m=51 s=12
